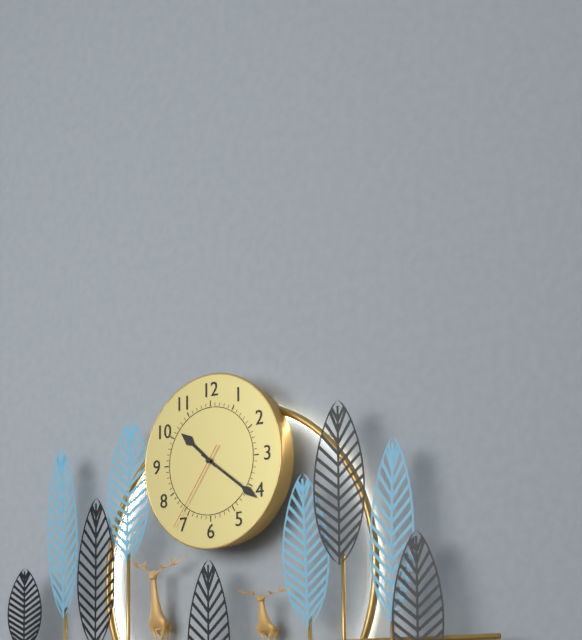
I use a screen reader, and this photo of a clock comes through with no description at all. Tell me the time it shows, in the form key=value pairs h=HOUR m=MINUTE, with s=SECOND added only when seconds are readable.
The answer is h=10 m=21 s=36
